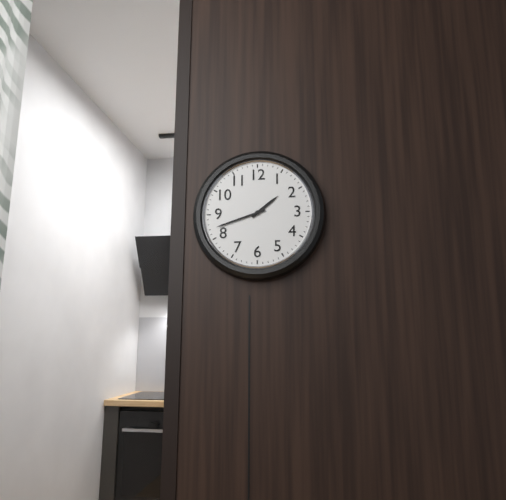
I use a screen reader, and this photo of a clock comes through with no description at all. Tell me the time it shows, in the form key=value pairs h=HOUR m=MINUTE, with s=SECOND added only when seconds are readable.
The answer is h=1 m=42
